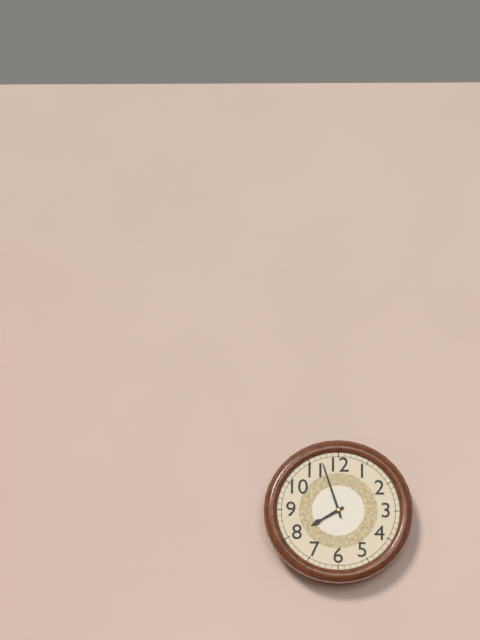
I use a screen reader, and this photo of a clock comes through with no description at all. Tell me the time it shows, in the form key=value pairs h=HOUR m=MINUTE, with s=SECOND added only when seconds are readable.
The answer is h=7 m=57
